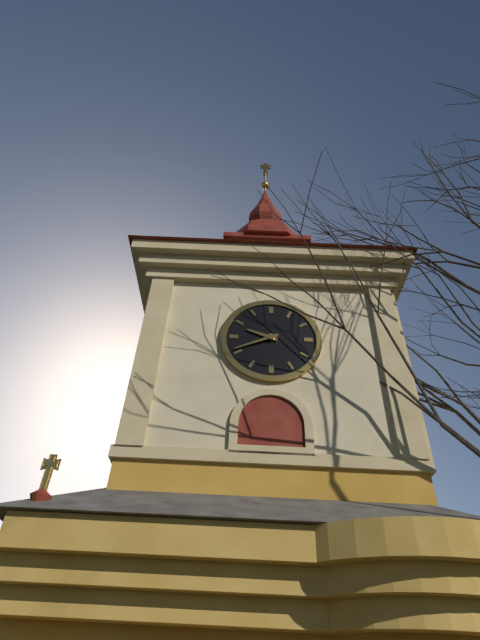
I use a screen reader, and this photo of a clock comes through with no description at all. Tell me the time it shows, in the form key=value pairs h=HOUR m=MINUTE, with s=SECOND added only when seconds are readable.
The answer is h=9 m=41
